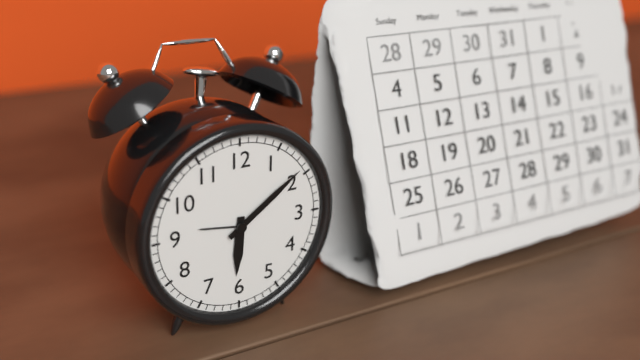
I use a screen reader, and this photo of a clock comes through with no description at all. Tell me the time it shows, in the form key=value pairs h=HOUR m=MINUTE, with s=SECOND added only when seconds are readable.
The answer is h=6 m=9
